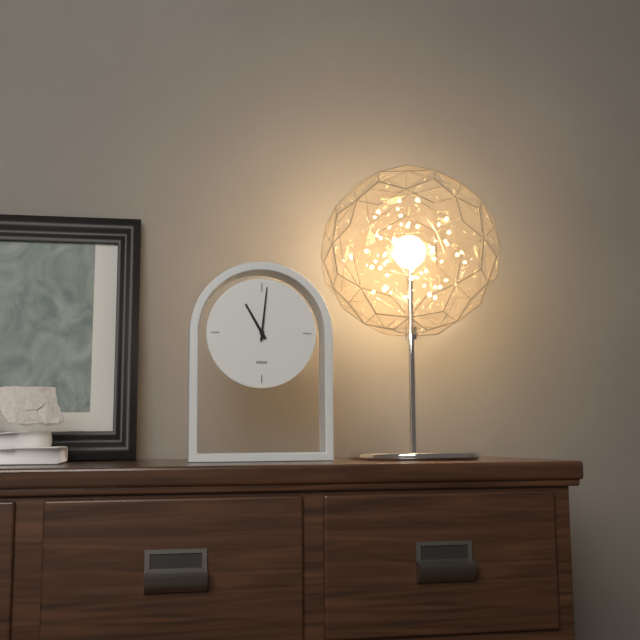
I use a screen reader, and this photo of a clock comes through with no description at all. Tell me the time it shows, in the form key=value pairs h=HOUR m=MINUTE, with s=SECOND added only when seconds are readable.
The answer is h=11 m=1
